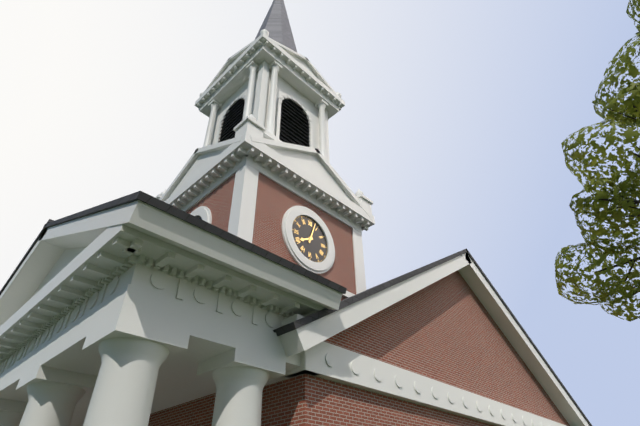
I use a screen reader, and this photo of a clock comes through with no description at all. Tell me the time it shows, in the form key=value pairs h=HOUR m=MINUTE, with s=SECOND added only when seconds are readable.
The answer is h=8 m=3
